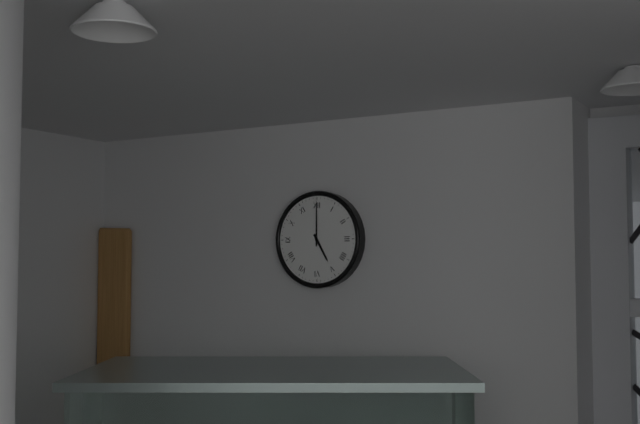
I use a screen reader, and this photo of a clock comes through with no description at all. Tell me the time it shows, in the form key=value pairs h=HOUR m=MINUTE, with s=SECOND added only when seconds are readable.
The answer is h=5 m=0
